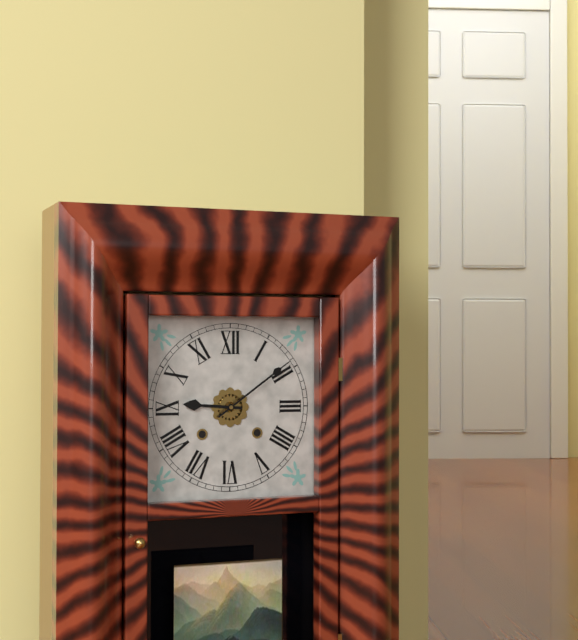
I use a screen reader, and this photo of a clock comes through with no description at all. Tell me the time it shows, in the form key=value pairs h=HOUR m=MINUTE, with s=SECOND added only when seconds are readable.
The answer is h=9 m=9
